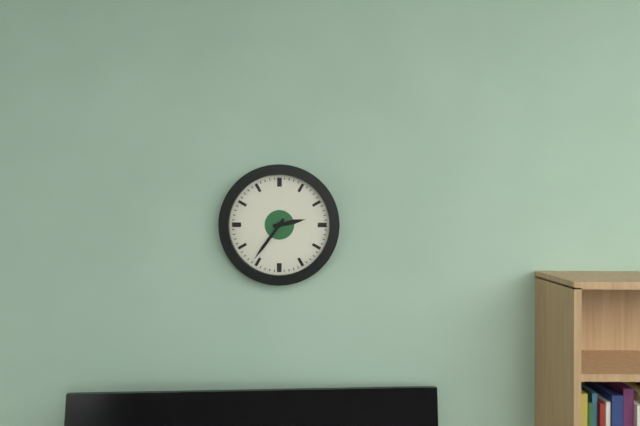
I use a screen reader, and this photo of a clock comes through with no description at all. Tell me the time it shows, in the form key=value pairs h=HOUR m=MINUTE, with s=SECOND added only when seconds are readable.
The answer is h=2 m=36
